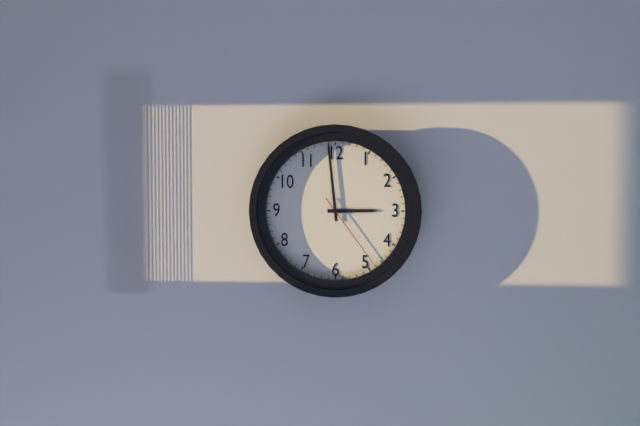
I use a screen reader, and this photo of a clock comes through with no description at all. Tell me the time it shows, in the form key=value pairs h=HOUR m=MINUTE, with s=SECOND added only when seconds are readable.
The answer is h=2 m=59 s=24
